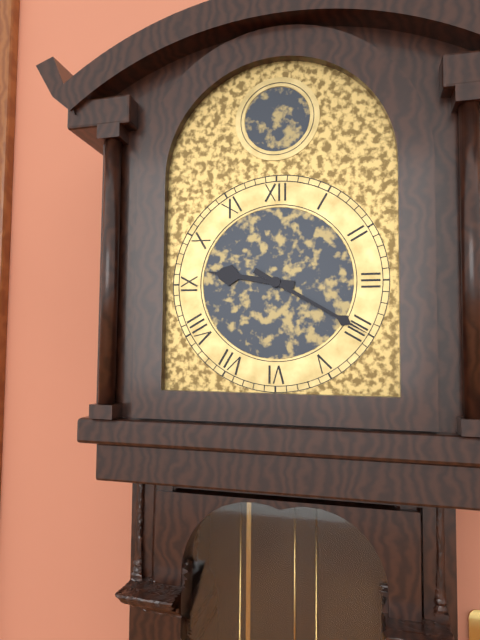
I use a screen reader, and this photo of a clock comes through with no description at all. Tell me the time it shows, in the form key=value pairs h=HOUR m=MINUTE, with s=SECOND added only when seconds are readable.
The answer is h=9 m=20
